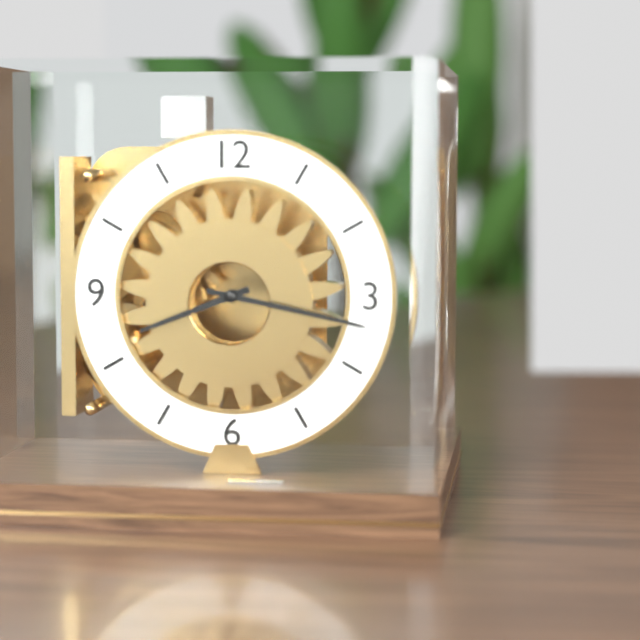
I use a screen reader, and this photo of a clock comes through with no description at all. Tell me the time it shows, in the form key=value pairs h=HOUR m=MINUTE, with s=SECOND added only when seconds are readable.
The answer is h=8 m=17
